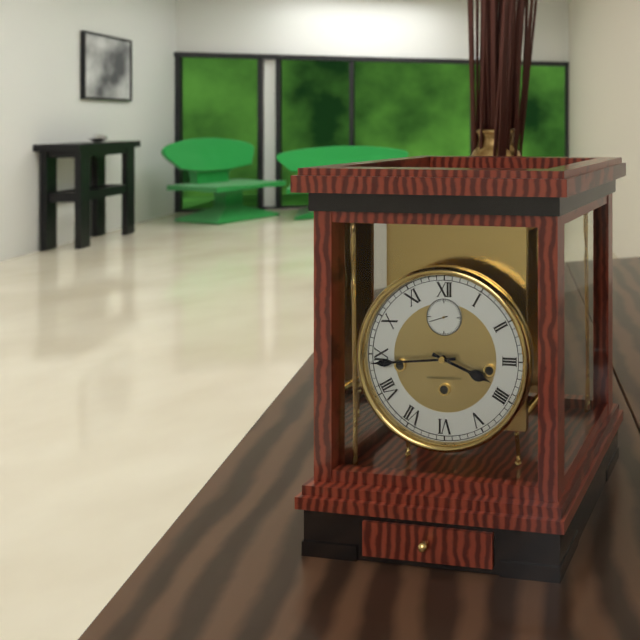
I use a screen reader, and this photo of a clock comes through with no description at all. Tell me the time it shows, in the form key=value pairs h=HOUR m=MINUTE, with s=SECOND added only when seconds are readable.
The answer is h=3 m=44
